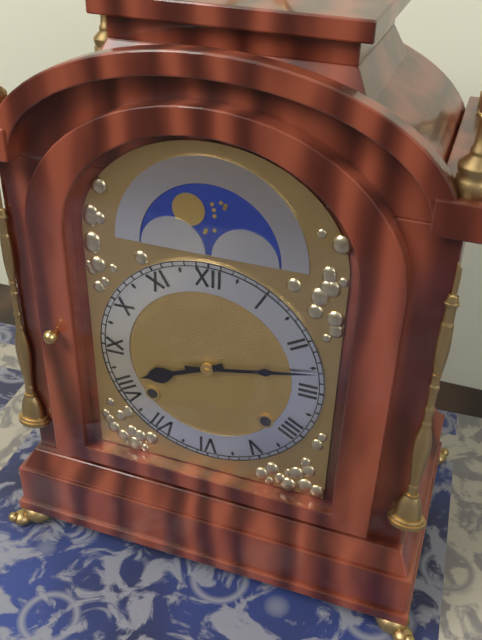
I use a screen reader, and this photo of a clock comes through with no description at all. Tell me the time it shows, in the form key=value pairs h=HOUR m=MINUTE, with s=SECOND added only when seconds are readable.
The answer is h=8 m=13
